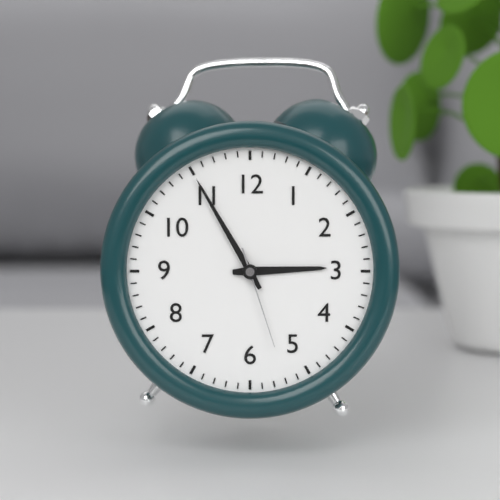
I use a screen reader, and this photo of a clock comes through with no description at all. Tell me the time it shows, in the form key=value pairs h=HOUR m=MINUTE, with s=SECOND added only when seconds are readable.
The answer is h=2 m=55 s=27
